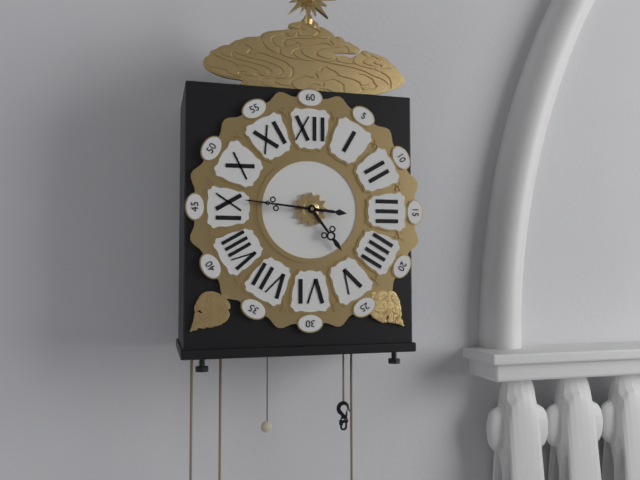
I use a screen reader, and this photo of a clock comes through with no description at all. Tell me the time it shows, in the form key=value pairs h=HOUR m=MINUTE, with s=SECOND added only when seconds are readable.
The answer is h=4 m=46
